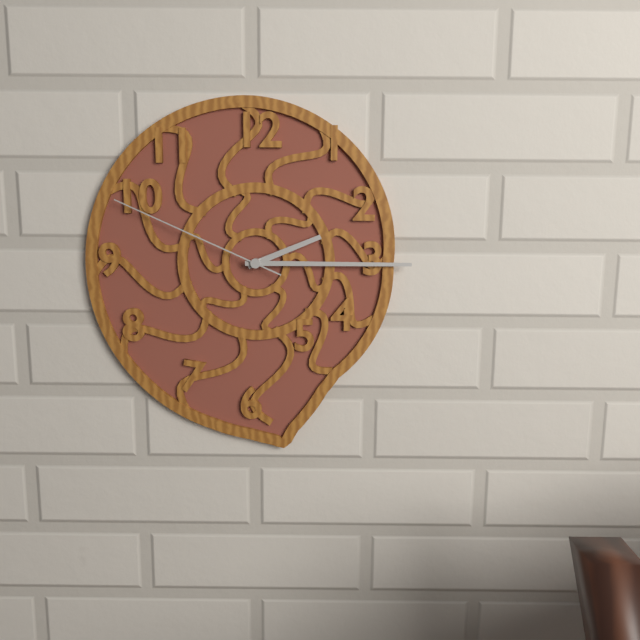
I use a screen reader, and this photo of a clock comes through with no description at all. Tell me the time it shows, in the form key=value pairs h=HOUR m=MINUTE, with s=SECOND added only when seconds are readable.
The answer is h=2 m=15 s=49
